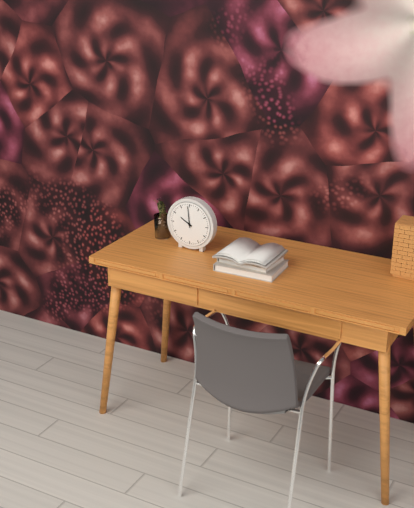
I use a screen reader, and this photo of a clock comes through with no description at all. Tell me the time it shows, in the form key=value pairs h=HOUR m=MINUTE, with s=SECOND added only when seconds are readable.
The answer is h=9 m=59
